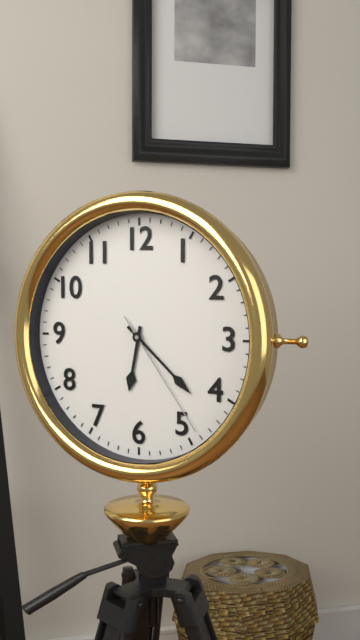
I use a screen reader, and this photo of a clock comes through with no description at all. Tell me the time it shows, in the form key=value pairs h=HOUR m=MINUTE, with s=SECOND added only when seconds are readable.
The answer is h=6 m=22 s=24
